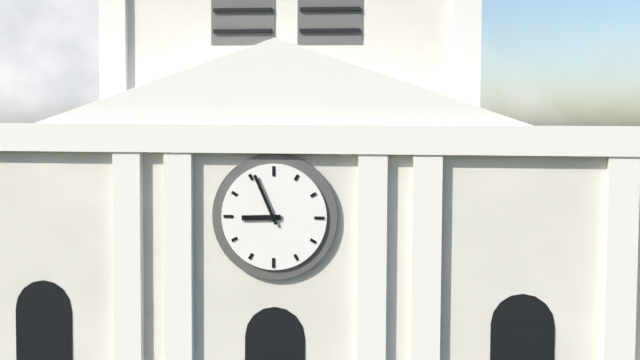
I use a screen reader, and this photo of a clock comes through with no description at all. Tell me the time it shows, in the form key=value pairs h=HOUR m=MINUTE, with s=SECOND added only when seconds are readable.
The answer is h=8 m=56
